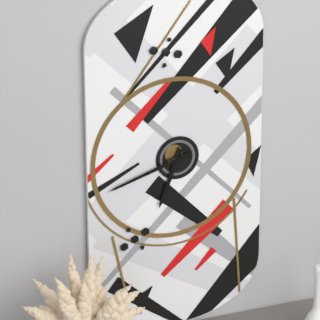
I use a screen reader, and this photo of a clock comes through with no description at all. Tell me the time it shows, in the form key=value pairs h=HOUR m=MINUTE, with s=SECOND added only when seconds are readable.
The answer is h=6 m=42
